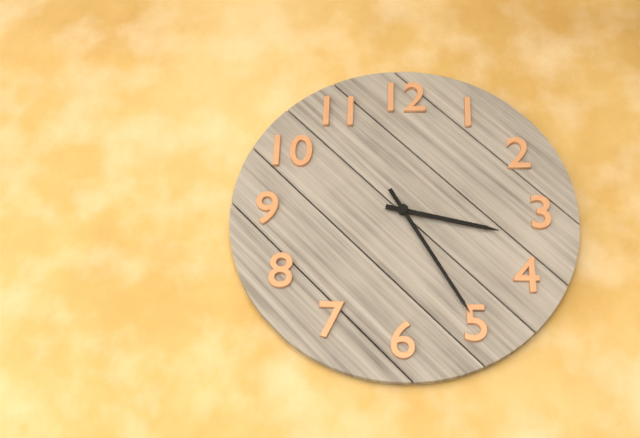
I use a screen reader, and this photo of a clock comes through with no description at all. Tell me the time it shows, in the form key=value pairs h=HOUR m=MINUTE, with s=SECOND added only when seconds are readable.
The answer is h=3 m=25
